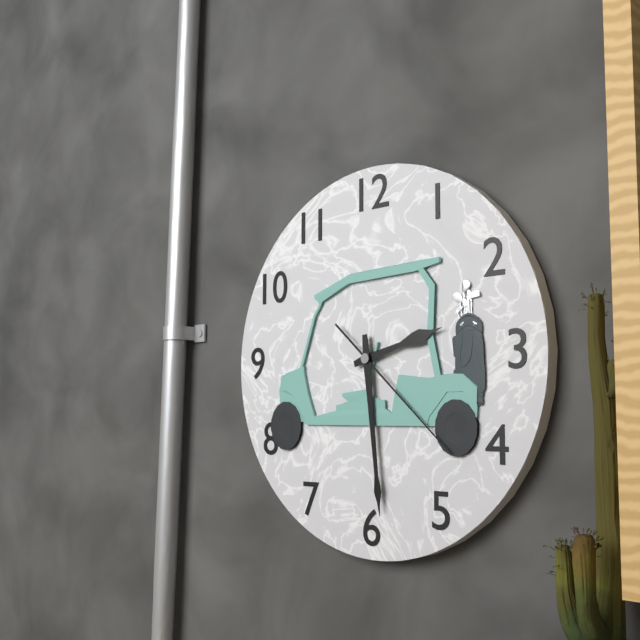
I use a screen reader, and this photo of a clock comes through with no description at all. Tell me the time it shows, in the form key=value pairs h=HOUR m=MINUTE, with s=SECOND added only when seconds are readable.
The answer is h=2 m=29 s=22
